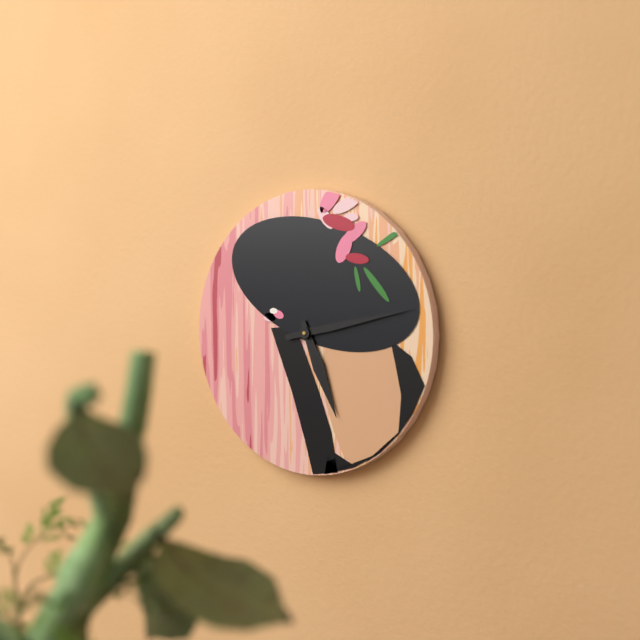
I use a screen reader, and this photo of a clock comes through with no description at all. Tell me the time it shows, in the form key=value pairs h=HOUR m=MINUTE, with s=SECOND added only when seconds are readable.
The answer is h=5 m=13
